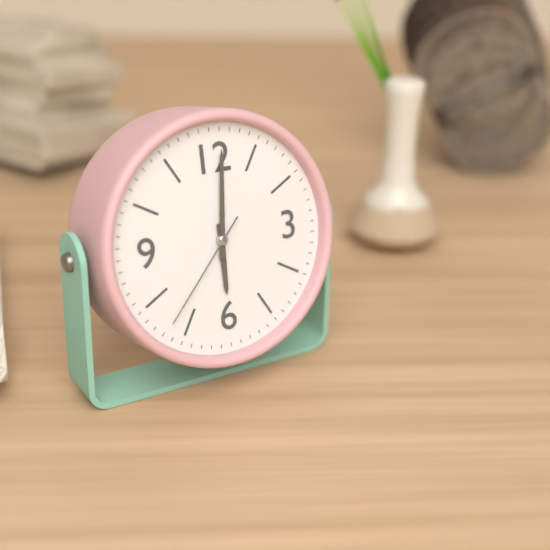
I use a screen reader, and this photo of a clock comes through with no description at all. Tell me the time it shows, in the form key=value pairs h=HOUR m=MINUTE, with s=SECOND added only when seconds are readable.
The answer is h=6 m=1 s=37
